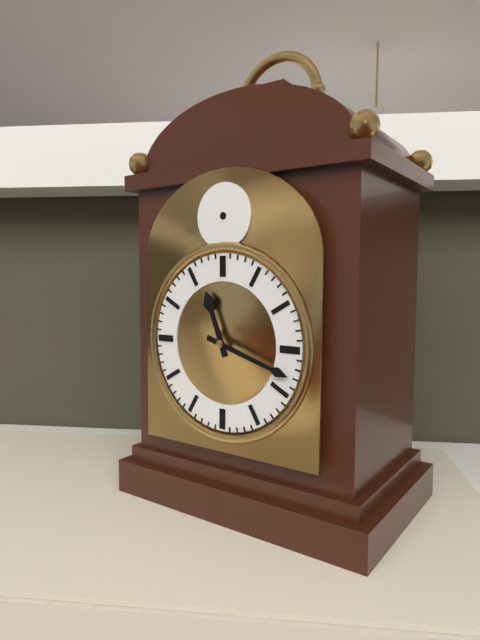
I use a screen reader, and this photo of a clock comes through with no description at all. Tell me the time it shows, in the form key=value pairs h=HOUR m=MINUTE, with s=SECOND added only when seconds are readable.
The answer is h=11 m=18
